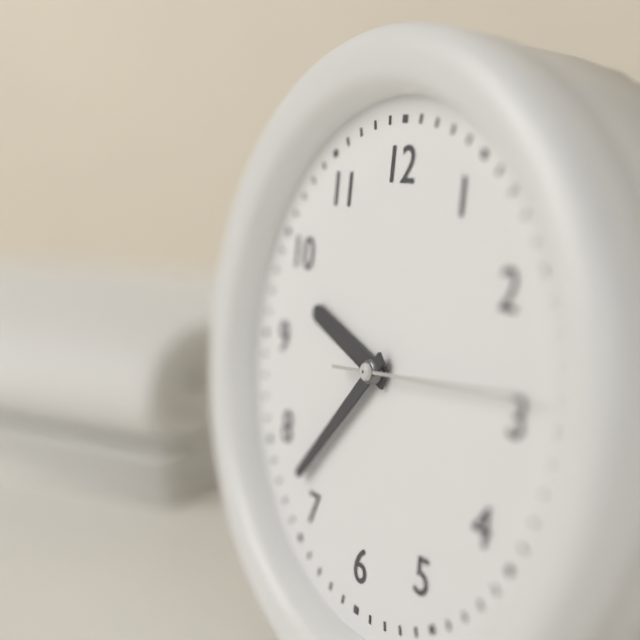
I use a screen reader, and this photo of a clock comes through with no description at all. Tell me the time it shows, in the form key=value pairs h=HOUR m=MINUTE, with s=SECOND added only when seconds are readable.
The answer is h=9 m=37 s=14
